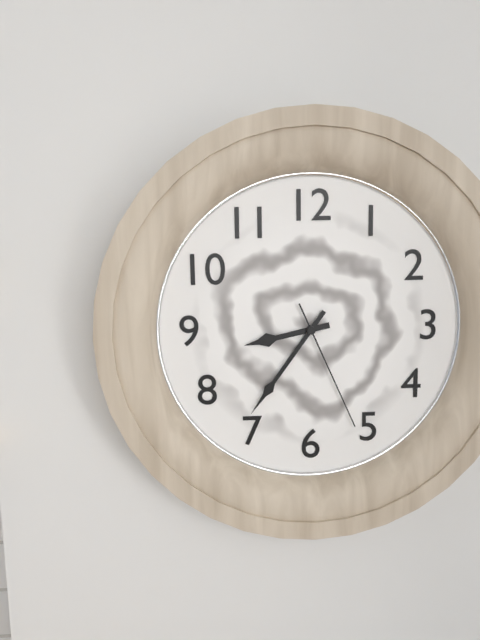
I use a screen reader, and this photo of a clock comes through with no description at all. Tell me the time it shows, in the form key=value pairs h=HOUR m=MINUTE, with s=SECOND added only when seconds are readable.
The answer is h=8 m=36 s=26
